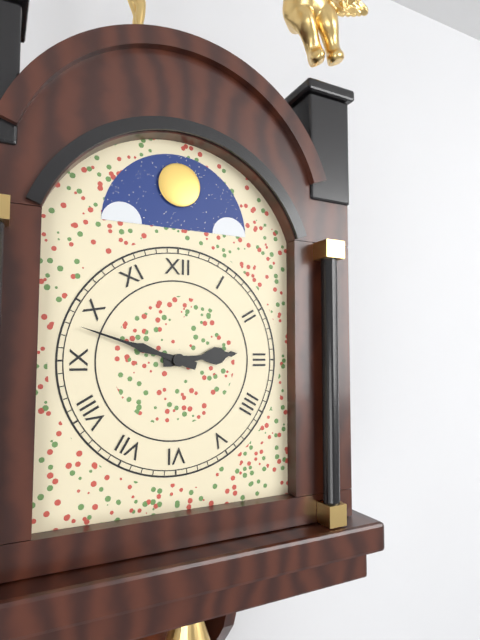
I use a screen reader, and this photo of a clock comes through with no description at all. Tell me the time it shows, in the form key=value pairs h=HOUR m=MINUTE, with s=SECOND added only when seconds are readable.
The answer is h=2 m=48
